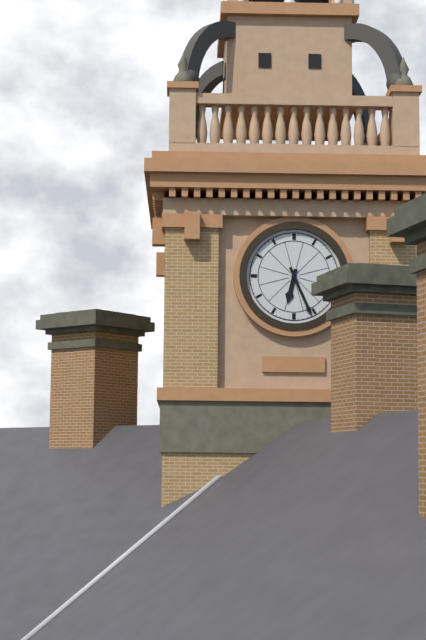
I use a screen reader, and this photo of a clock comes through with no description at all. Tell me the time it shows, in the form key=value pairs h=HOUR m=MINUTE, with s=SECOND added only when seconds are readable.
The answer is h=6 m=26
